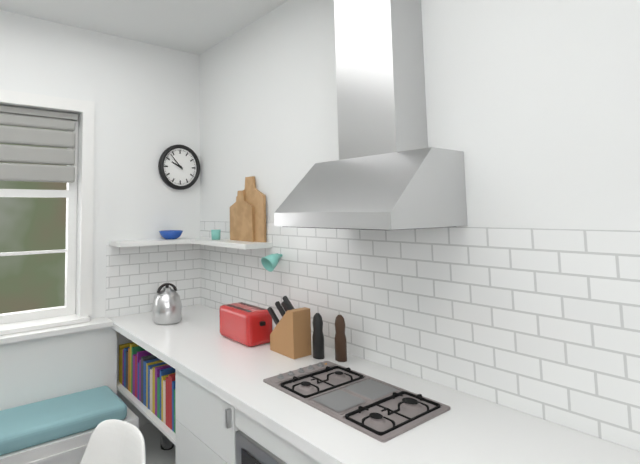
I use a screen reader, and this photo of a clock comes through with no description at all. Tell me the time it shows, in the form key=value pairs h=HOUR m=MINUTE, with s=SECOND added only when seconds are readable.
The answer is h=9 m=53
